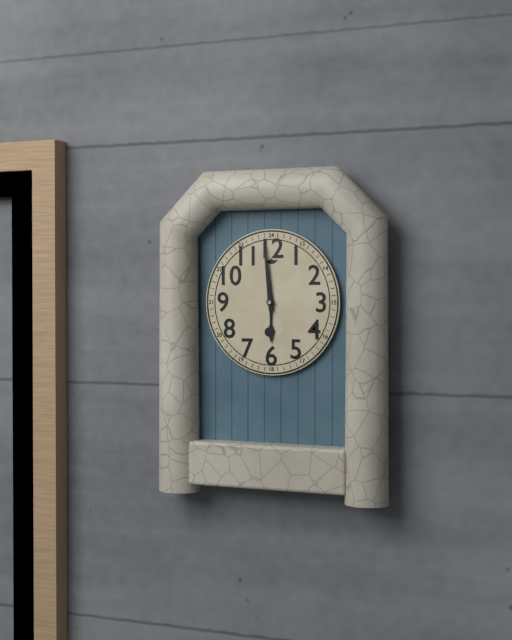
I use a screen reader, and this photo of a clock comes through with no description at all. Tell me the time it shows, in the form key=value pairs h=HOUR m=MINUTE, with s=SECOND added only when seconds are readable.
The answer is h=5 m=59
